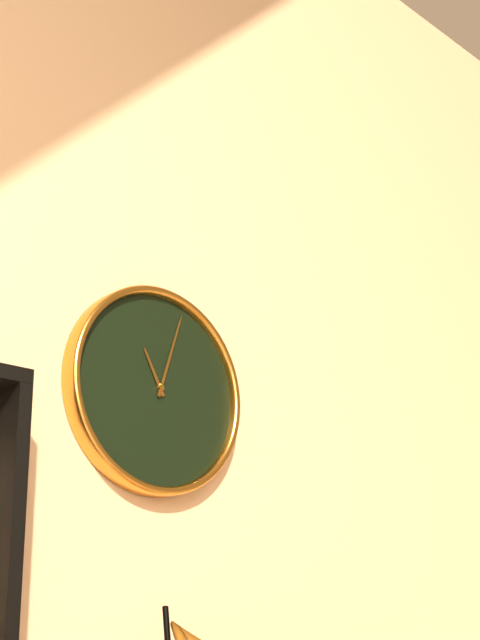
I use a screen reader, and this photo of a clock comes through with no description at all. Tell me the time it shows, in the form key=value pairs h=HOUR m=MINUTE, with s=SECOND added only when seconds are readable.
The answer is h=11 m=3
